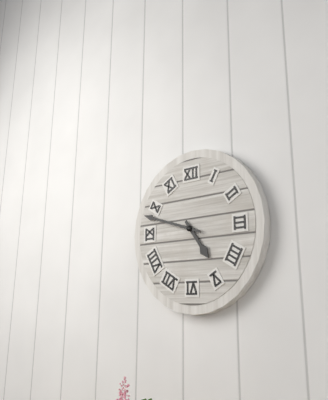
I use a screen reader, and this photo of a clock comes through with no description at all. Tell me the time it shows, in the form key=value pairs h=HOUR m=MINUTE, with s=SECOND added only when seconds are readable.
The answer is h=4 m=48
